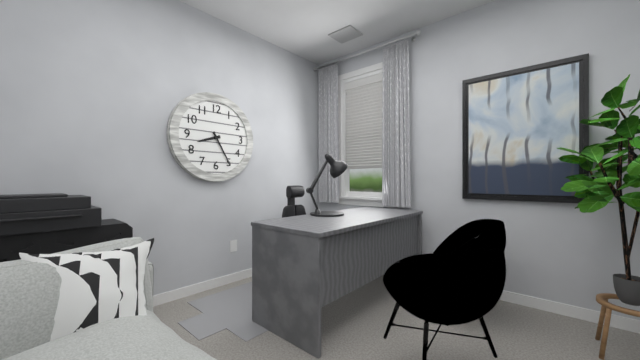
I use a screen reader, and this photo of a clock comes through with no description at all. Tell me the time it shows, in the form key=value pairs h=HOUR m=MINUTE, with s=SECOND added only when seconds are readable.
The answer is h=8 m=25
